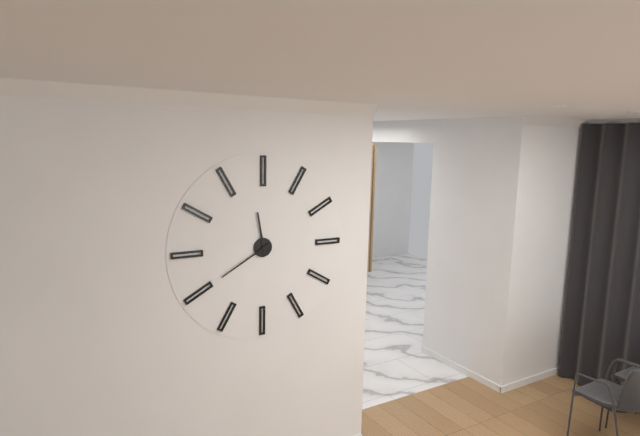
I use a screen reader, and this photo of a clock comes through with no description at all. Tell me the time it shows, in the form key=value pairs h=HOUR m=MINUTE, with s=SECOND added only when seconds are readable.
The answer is h=11 m=40
